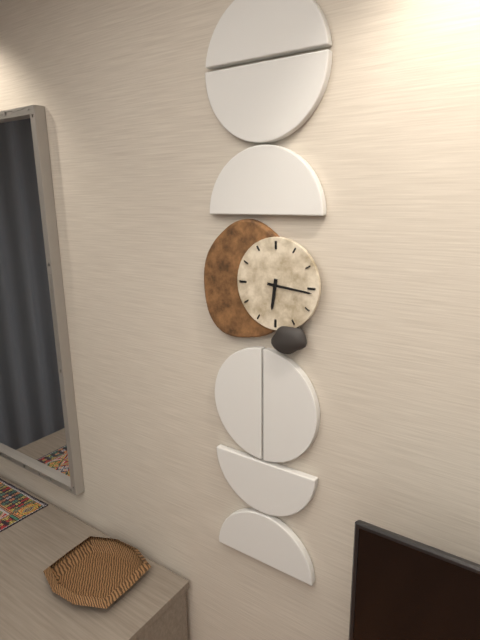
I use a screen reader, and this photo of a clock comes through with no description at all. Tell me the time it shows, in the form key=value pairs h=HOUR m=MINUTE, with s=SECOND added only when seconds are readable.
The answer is h=6 m=16
